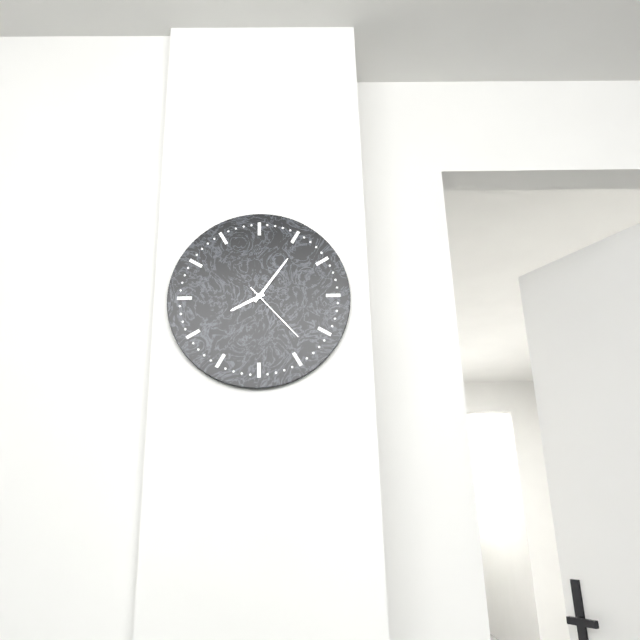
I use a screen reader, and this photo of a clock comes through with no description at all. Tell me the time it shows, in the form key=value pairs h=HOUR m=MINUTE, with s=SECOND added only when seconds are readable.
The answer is h=8 m=6 s=23
